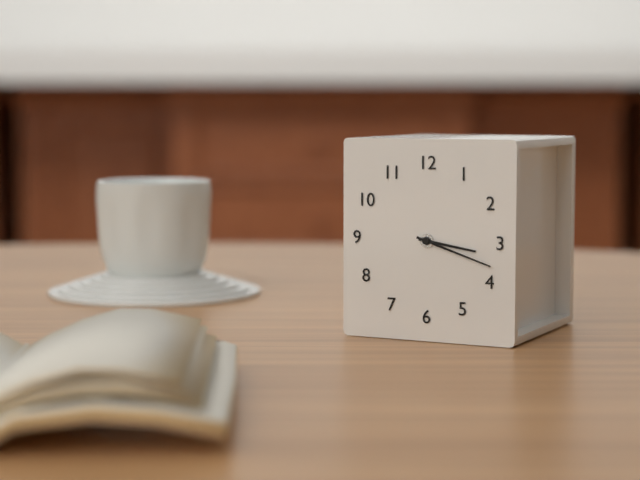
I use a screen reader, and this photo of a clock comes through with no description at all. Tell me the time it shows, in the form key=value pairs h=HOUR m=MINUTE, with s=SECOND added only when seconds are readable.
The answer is h=3 m=18
